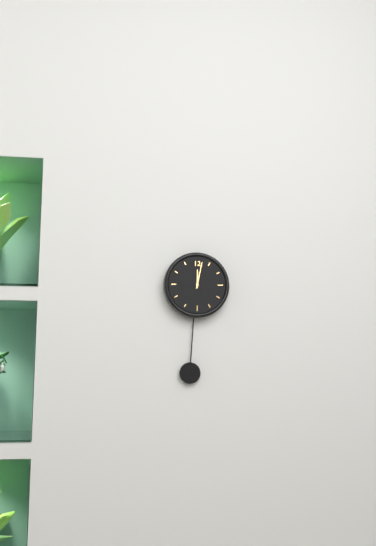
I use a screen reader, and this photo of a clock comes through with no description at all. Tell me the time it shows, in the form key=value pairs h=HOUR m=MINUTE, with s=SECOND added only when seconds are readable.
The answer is h=12 m=2
